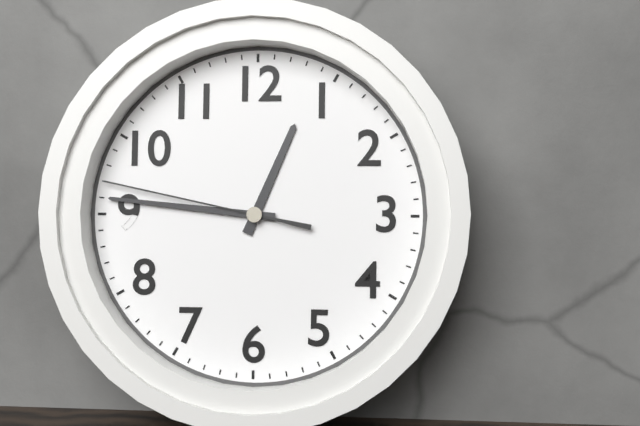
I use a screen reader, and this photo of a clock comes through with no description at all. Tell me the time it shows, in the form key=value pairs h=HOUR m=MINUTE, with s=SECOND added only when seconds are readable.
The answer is h=12 m=46 s=47
